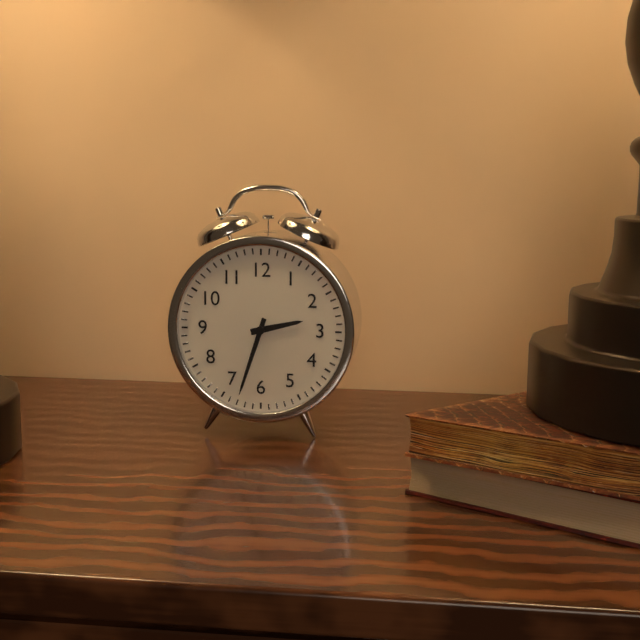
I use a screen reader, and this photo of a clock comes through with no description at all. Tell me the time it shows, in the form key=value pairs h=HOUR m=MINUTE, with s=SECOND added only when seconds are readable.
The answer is h=2 m=33
